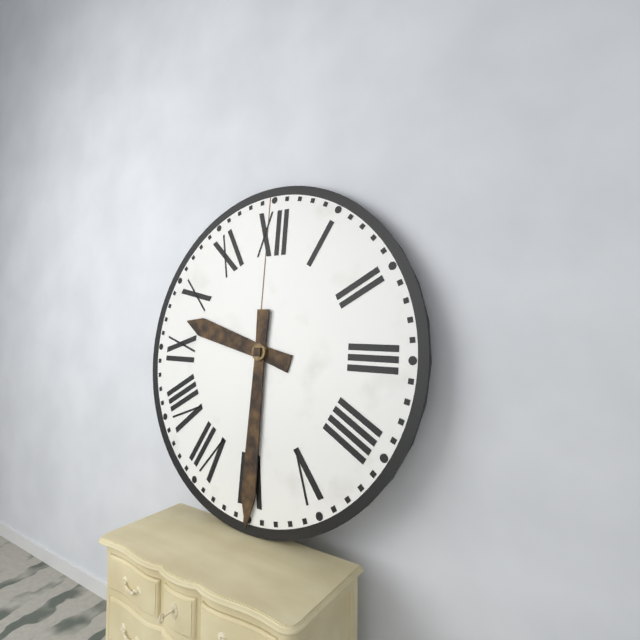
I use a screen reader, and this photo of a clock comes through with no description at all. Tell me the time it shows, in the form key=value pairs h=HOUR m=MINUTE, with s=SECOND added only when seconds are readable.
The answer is h=9 m=30
